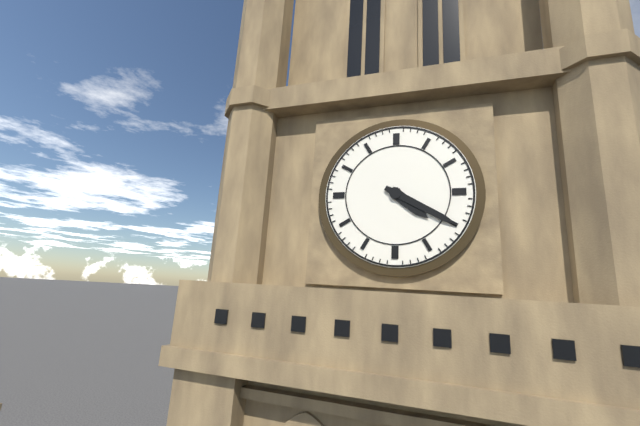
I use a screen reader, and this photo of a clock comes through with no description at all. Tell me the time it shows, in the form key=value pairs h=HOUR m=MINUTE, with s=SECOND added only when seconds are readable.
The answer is h=4 m=20
